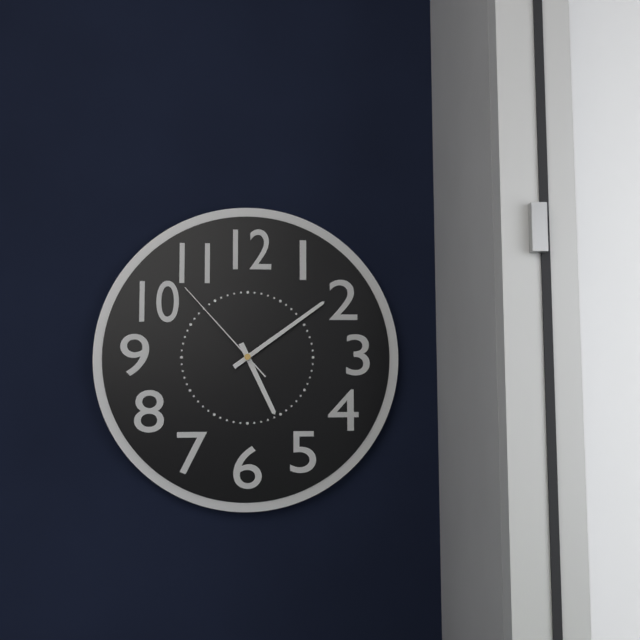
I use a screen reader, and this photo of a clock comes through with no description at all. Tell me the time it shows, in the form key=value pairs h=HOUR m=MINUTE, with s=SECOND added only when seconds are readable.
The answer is h=5 m=9 s=53
